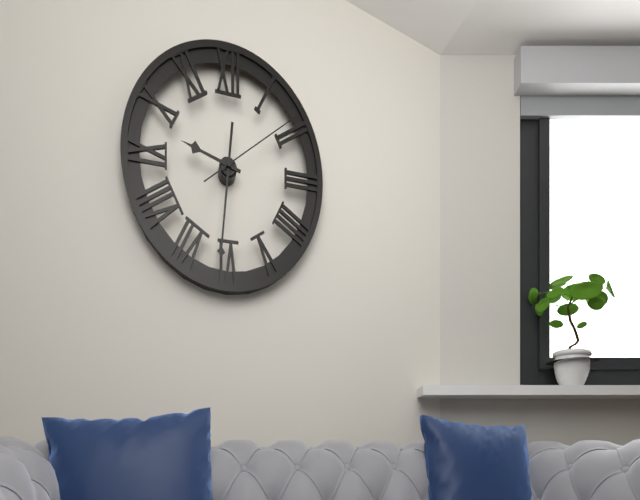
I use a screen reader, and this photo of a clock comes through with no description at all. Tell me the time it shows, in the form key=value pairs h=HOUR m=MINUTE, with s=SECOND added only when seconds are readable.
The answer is h=9 m=31 s=9
